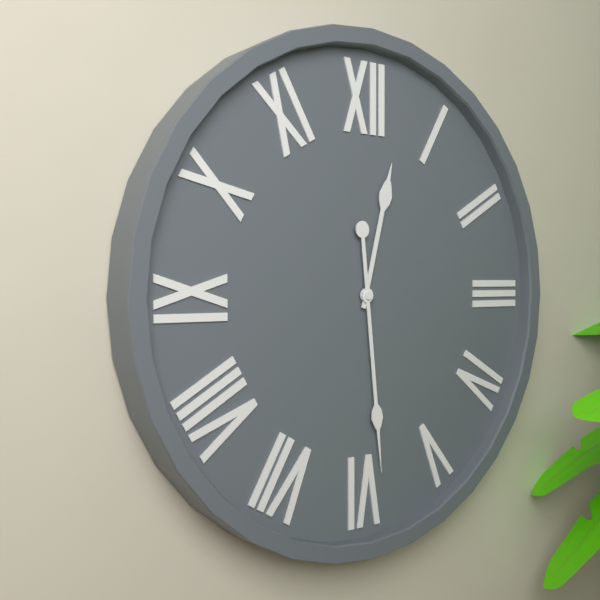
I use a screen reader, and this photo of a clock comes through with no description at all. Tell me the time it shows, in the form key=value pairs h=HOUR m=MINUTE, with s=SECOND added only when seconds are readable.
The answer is h=12 m=29
